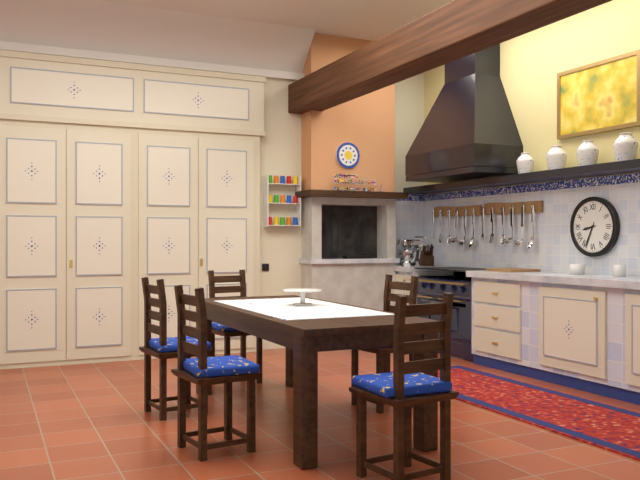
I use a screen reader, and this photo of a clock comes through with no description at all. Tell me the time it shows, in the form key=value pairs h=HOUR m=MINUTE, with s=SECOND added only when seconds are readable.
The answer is h=8 m=34
